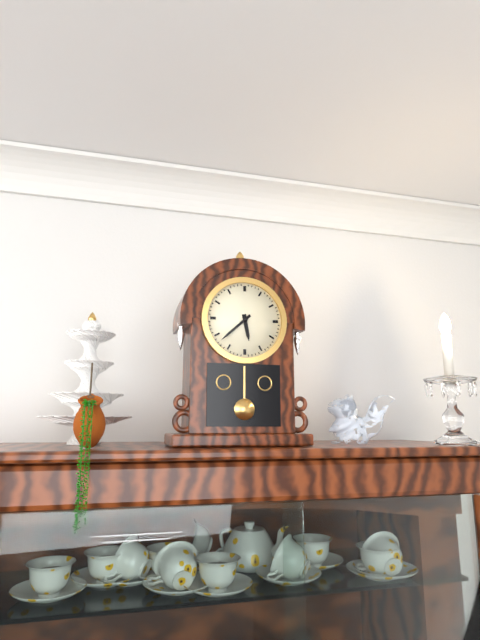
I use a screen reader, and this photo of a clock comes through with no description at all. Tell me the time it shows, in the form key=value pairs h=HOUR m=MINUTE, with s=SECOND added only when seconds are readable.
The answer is h=5 m=38
